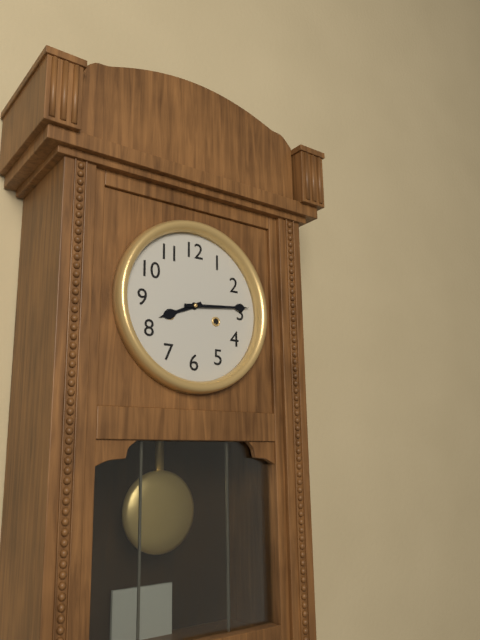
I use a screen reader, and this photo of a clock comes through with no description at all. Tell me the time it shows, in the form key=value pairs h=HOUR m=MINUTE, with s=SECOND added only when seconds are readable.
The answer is h=8 m=14
